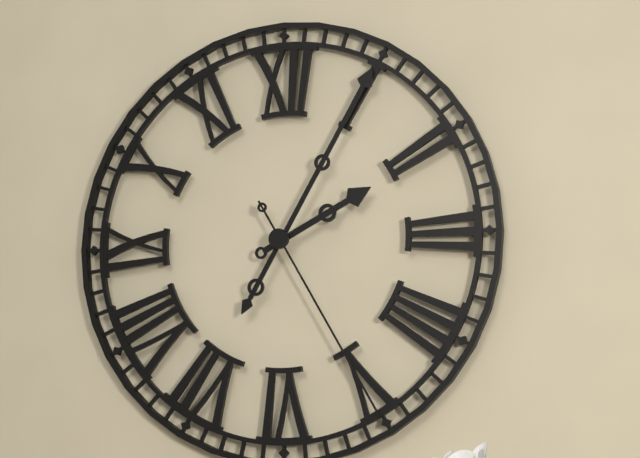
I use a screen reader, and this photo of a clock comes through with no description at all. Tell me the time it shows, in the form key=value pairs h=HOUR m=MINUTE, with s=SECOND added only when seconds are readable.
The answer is h=2 m=5 s=25
